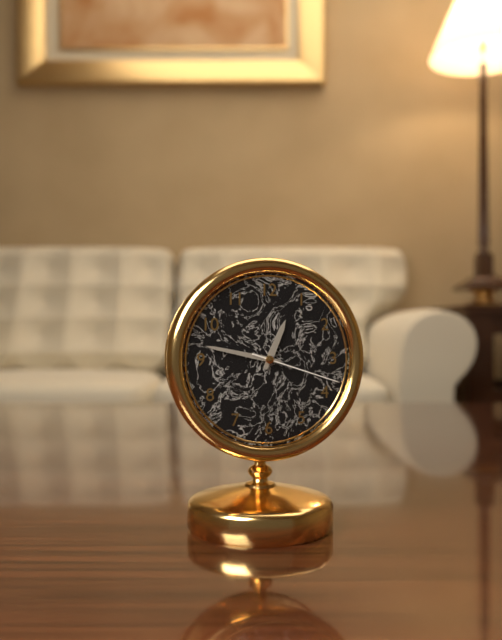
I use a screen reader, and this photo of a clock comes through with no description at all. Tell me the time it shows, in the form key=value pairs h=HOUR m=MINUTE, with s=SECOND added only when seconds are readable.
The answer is h=12 m=47 s=18
